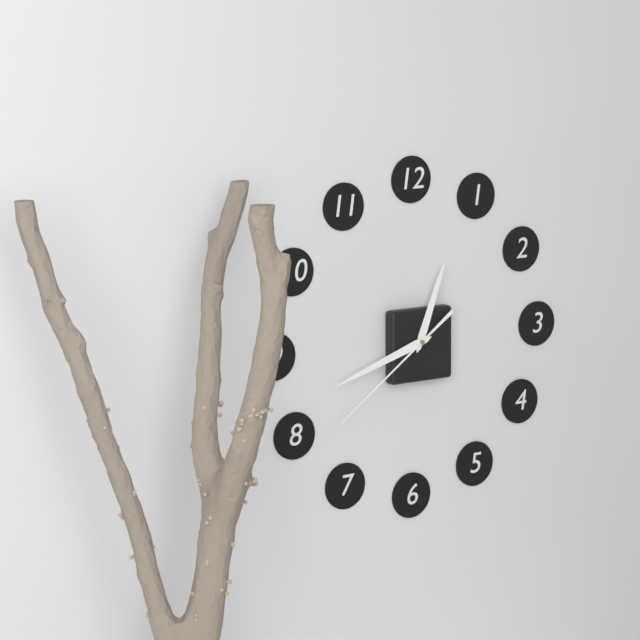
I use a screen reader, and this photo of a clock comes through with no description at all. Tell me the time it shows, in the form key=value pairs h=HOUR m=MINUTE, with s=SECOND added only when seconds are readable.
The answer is h=12 m=42 s=39
